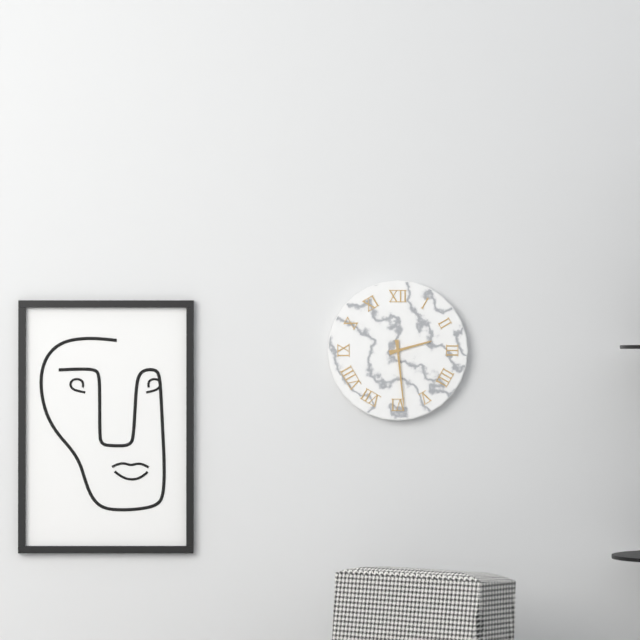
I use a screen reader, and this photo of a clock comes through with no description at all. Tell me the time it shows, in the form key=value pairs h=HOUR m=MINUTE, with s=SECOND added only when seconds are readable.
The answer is h=2 m=29
